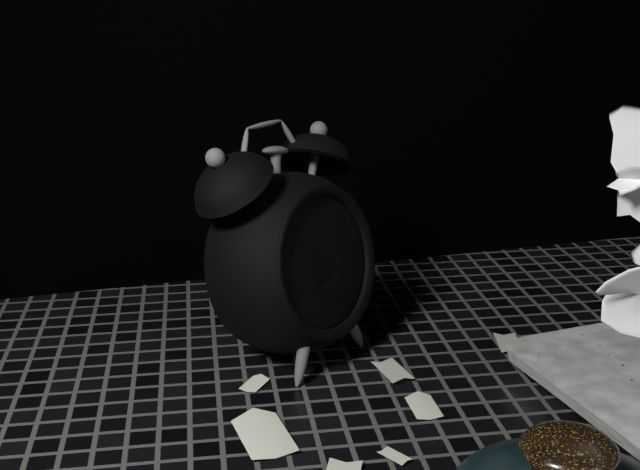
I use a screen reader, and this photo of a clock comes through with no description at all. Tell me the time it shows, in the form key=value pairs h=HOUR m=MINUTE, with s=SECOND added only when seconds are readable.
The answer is h=8 m=55
